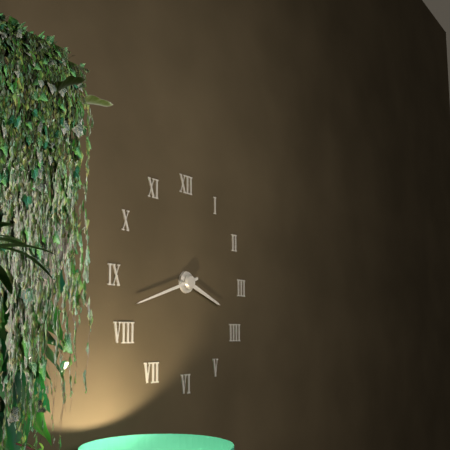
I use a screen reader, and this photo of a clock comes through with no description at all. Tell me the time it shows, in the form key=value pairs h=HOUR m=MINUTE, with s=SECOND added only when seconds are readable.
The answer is h=3 m=42
